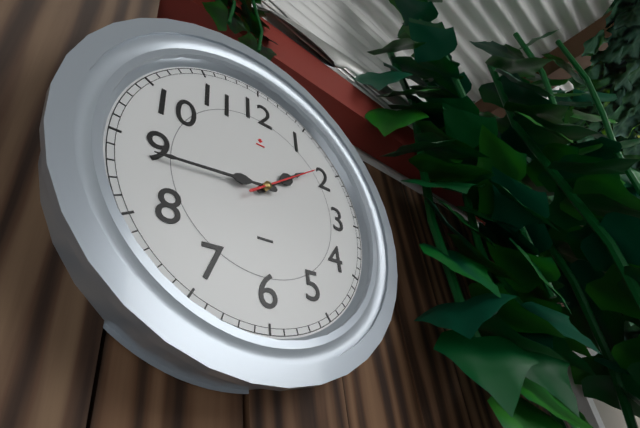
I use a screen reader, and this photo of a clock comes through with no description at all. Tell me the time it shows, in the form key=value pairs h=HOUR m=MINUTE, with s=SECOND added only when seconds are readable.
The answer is h=1 m=44 s=9
